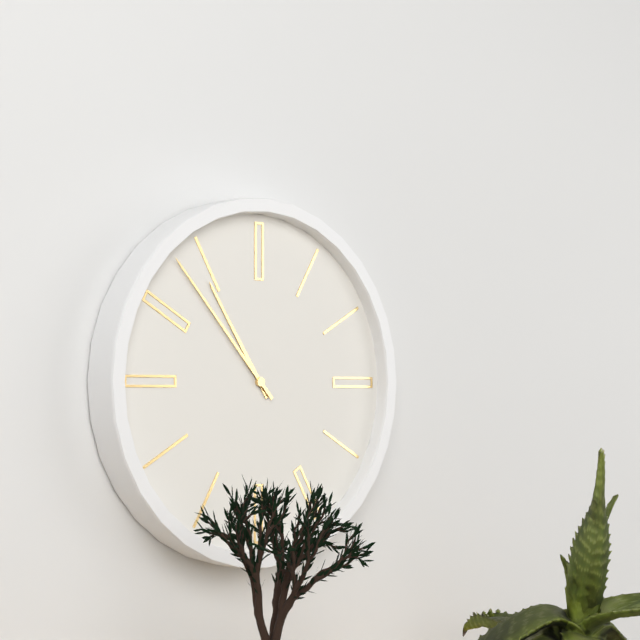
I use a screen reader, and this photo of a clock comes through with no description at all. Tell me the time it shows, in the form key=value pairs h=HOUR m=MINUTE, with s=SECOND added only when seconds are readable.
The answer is h=10 m=53
